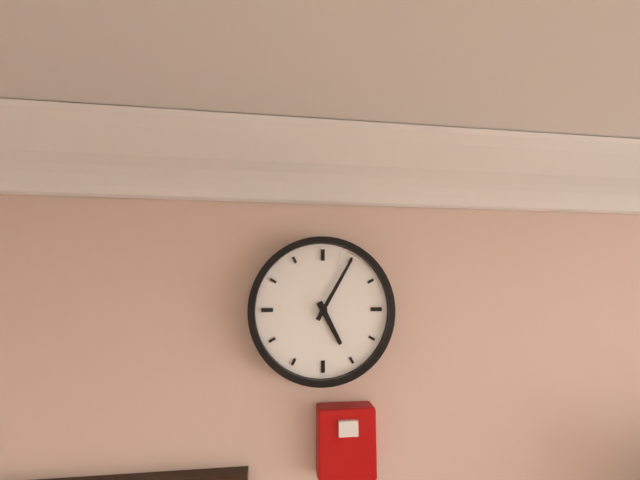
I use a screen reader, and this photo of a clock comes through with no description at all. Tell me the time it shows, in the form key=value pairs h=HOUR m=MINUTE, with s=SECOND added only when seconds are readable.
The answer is h=5 m=5
